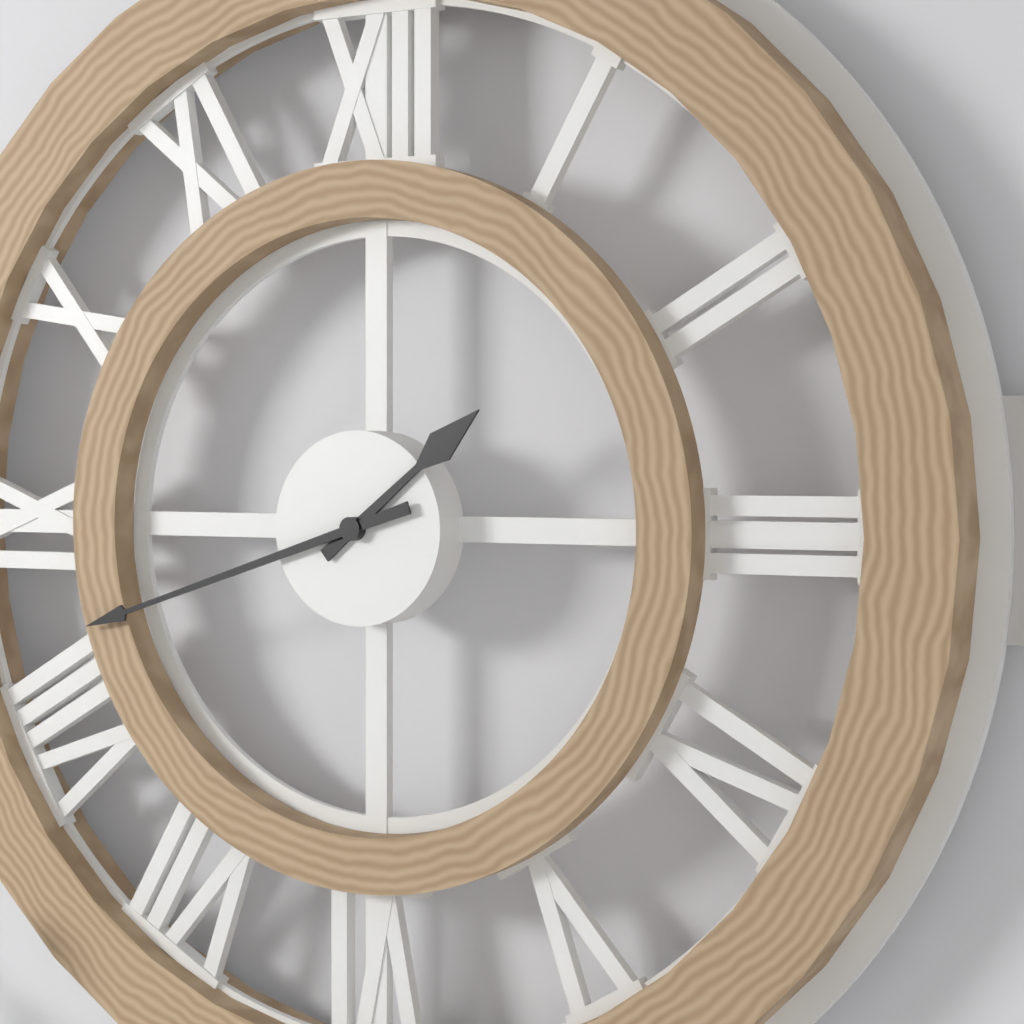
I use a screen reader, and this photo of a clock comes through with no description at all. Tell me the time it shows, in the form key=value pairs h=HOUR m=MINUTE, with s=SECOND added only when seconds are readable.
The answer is h=1 m=42
